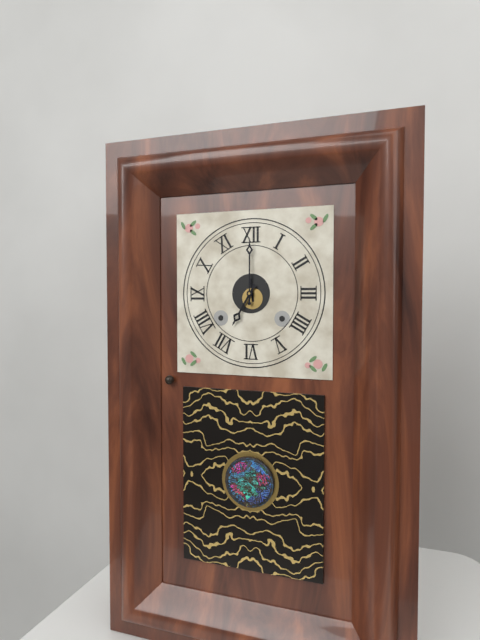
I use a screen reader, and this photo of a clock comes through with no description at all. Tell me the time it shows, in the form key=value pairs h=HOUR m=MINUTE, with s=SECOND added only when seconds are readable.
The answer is h=7 m=0
